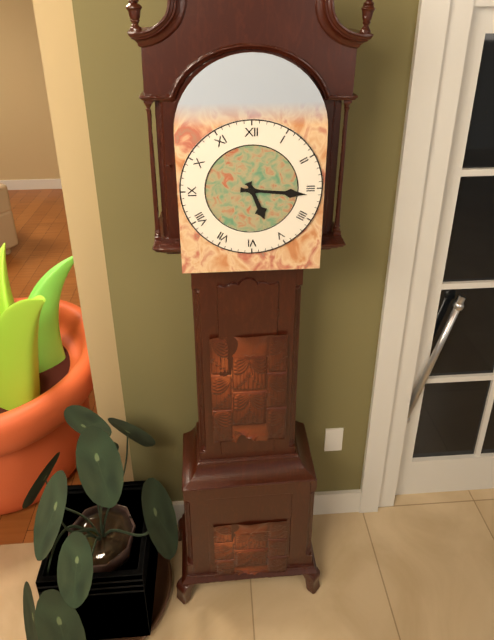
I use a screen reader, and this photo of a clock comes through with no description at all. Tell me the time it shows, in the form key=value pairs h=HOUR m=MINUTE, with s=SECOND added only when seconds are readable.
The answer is h=5 m=16
